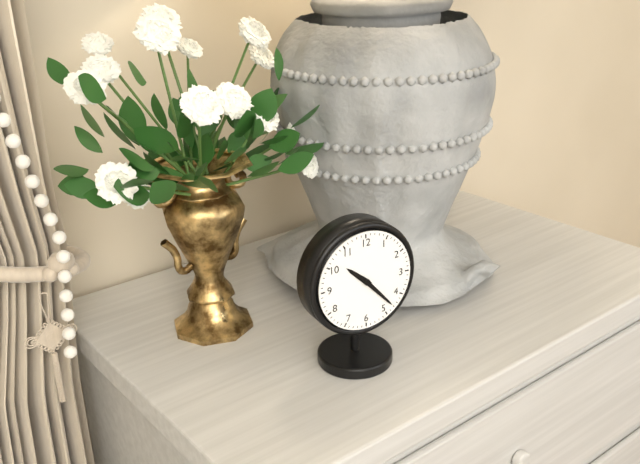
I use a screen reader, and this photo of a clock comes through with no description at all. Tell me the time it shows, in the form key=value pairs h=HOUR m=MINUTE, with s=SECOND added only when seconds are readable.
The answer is h=10 m=23
